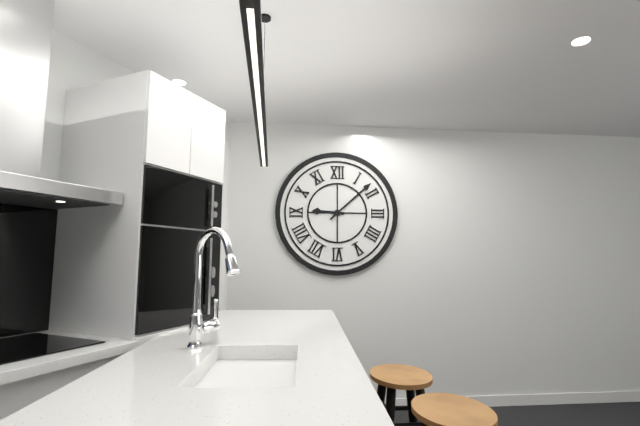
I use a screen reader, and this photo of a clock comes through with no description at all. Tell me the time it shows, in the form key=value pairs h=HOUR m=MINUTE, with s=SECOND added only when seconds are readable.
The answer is h=9 m=8
